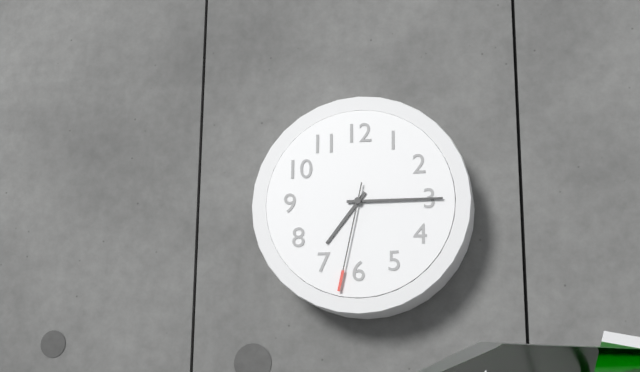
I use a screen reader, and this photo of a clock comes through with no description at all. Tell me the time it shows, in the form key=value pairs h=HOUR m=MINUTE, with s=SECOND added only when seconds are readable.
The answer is h=7 m=15 s=32
